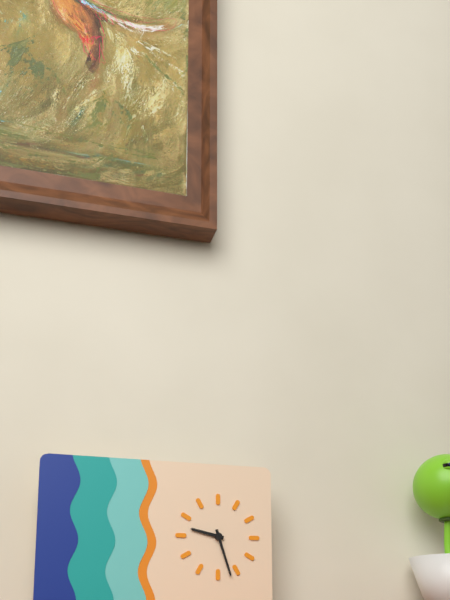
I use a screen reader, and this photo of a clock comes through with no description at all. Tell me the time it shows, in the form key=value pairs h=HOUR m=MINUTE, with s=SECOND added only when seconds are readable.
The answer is h=9 m=27
